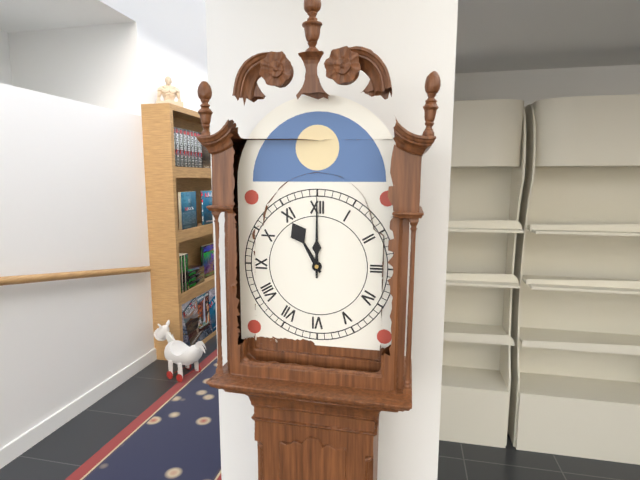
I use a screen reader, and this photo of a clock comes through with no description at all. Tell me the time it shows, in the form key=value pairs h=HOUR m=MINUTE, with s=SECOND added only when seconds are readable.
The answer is h=11 m=0
